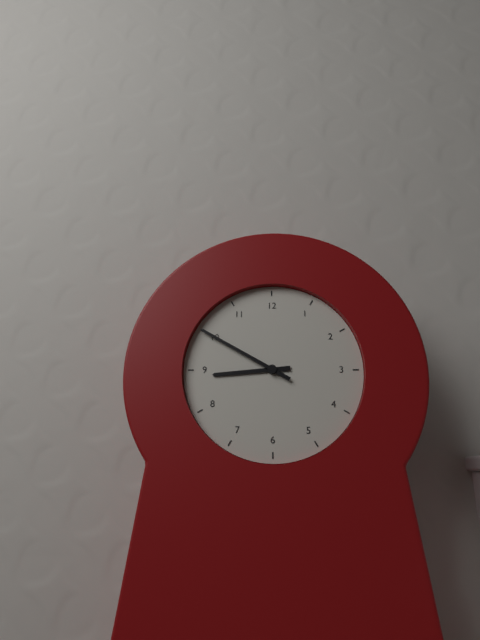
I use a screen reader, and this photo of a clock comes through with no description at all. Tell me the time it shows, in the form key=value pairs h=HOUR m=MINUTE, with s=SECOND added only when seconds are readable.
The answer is h=8 m=50
